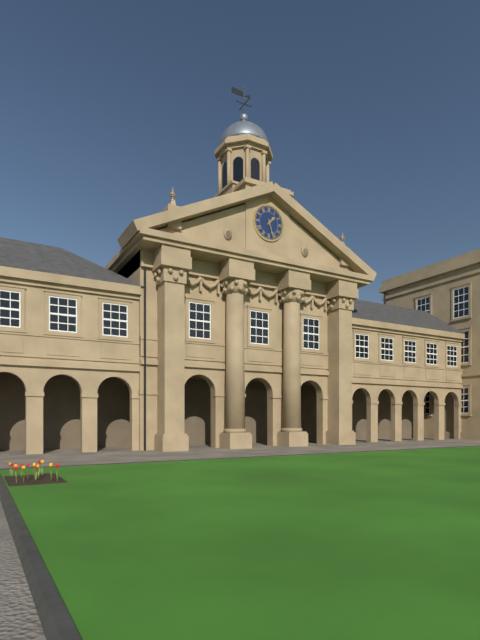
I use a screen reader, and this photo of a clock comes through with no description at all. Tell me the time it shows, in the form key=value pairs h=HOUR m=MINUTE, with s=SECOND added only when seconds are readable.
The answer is h=1 m=27
